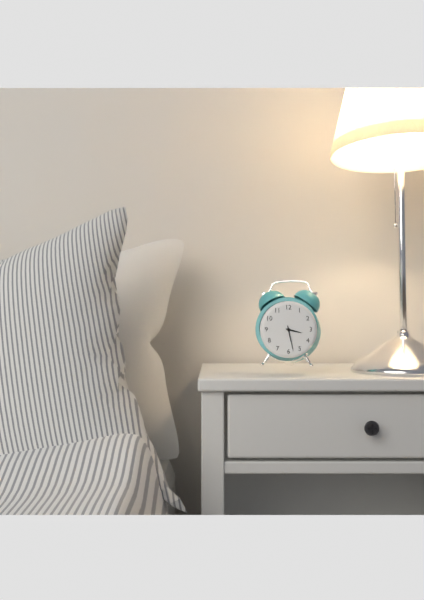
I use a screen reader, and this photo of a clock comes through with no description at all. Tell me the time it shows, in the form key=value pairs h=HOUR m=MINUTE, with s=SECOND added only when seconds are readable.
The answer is h=3 m=28
